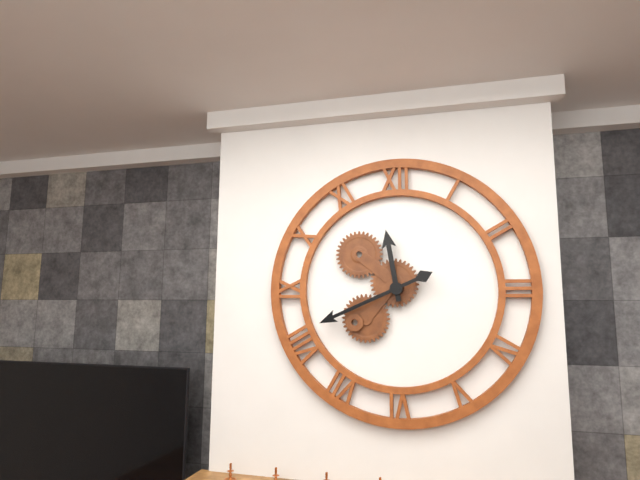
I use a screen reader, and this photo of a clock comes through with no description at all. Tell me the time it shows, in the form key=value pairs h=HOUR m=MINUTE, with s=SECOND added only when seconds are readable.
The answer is h=11 m=41
